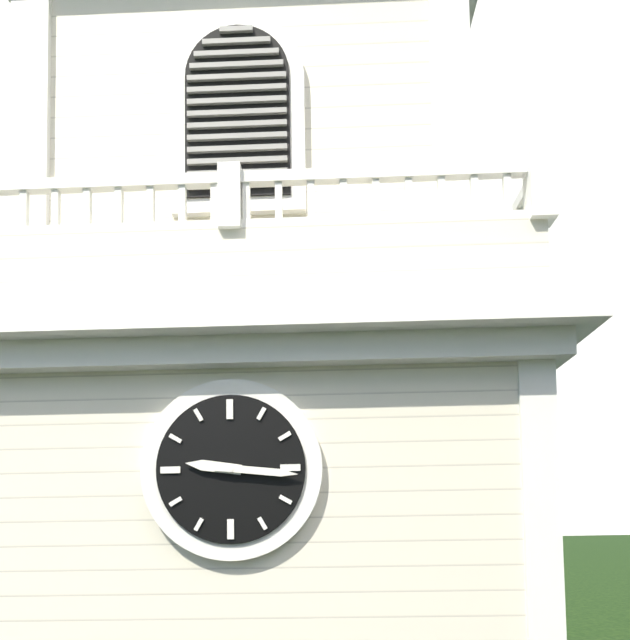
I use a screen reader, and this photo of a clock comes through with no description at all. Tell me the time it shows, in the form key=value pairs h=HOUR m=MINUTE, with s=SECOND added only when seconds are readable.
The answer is h=9 m=16
